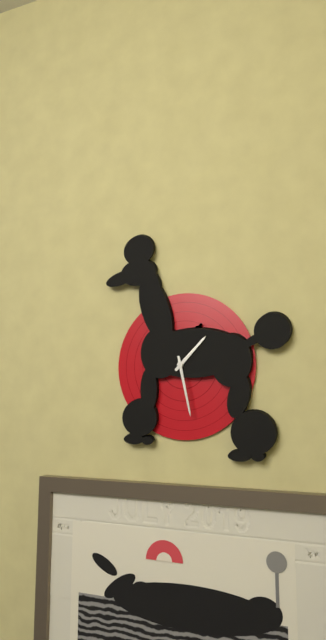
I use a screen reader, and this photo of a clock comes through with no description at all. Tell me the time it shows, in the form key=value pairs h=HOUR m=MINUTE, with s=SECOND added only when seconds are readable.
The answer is h=1 m=28
